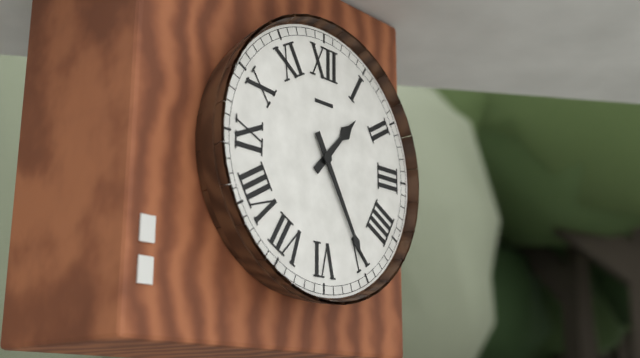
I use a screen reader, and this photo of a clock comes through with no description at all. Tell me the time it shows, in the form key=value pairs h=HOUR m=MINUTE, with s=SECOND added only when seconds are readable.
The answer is h=1 m=25
